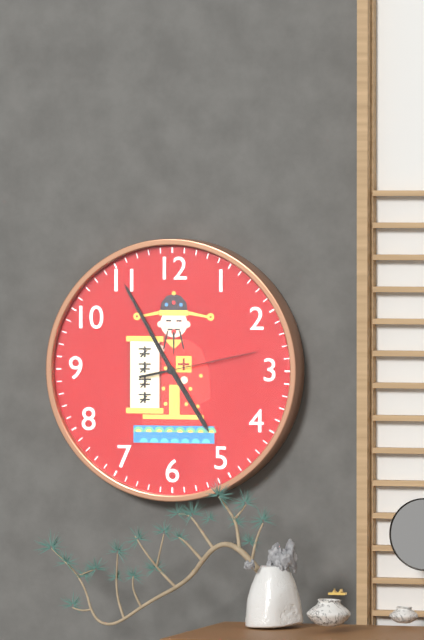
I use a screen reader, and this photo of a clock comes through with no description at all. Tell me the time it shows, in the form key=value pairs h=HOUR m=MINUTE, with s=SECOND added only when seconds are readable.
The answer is h=4 m=55 s=13
